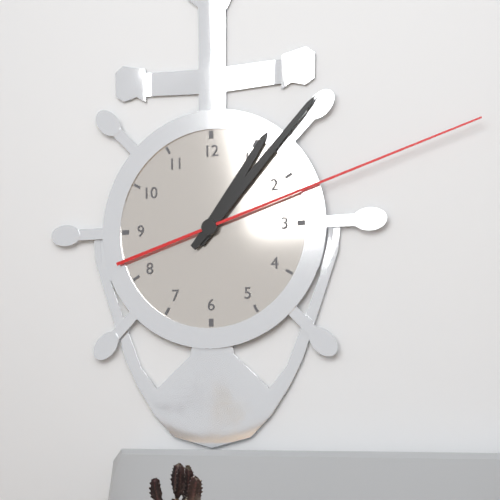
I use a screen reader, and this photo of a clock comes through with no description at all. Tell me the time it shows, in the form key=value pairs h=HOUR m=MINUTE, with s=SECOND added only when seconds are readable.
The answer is h=1 m=7 s=12
